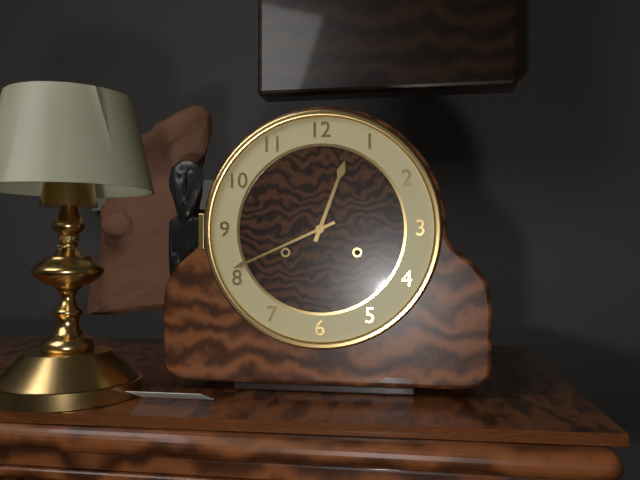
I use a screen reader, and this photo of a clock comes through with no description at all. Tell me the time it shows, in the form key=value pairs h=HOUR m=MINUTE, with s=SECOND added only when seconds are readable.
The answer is h=12 m=41
